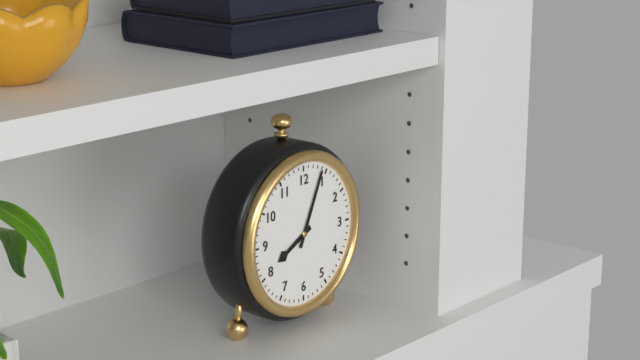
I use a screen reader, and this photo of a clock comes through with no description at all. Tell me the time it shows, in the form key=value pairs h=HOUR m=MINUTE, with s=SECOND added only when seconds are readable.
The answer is h=8 m=4
